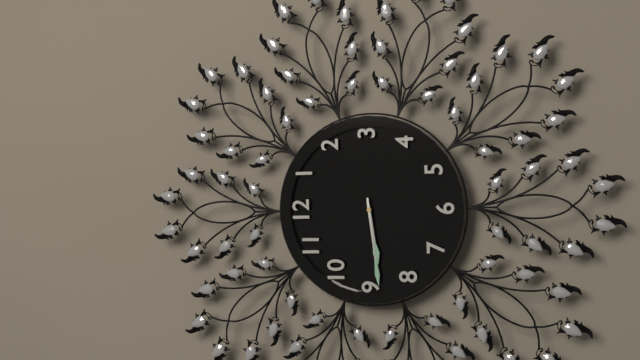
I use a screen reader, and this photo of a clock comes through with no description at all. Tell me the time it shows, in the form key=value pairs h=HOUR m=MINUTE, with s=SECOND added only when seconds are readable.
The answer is h=8 m=44
